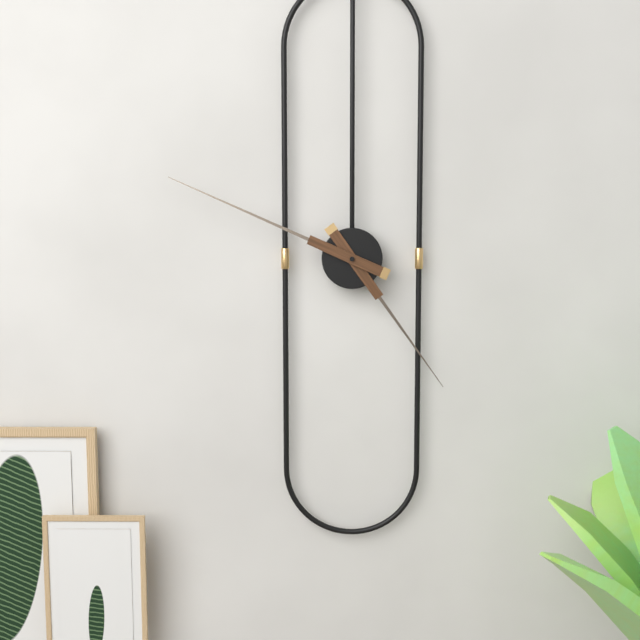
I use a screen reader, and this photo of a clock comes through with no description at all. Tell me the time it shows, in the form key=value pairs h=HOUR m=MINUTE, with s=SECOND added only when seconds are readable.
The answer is h=4 m=49
